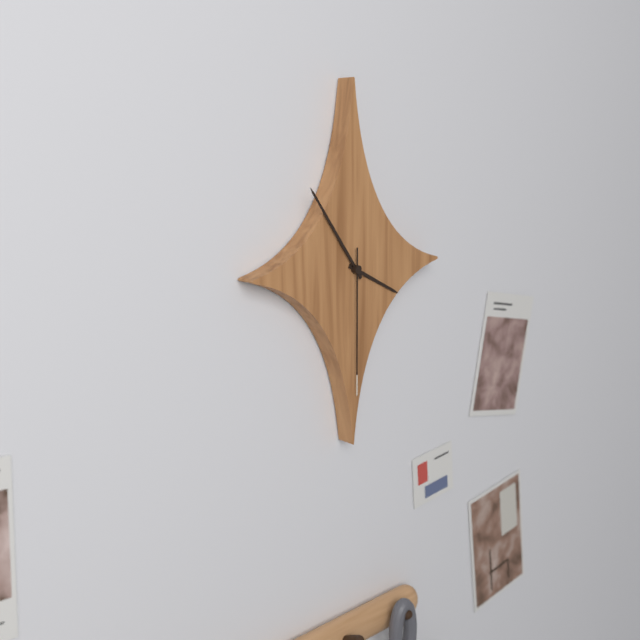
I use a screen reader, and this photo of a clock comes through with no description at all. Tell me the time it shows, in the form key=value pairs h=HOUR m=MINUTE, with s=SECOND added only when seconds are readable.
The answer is h=3 m=54 s=30
